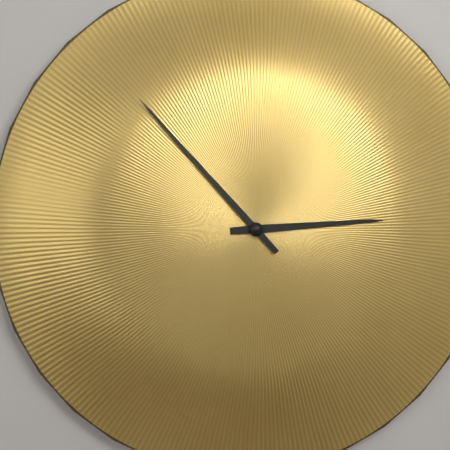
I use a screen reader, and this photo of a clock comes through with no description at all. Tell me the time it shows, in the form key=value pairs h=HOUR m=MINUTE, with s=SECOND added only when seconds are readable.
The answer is h=2 m=53
